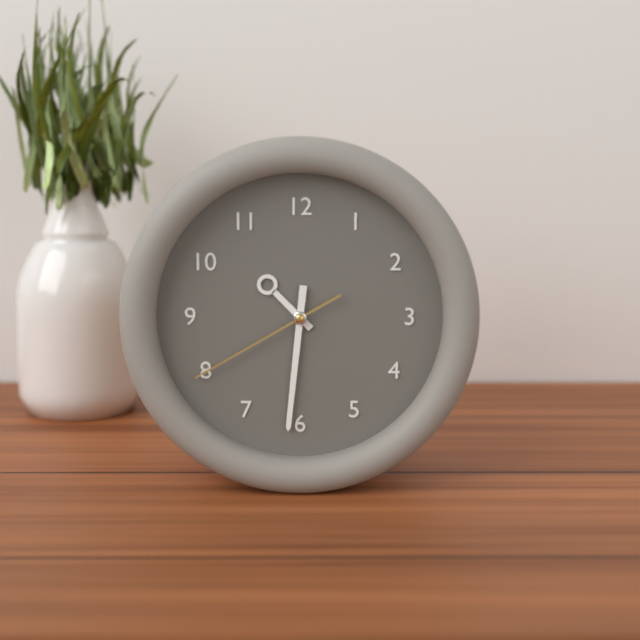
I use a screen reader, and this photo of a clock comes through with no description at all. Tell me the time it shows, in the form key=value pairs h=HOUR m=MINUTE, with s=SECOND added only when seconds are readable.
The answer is h=10 m=31 s=40
